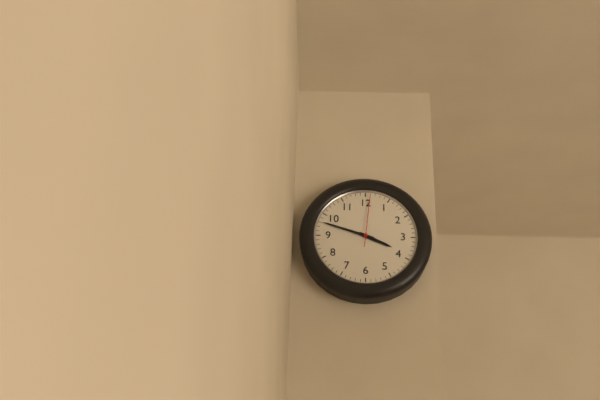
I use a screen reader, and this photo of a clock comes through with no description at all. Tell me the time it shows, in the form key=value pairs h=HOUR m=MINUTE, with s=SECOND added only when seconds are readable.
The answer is h=3 m=48 s=1
